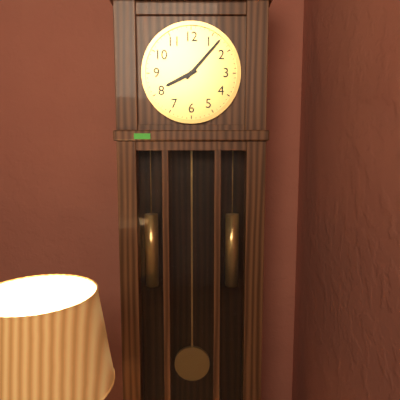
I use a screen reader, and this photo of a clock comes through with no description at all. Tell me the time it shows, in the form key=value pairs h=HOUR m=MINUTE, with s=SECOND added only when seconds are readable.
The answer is h=8 m=7
